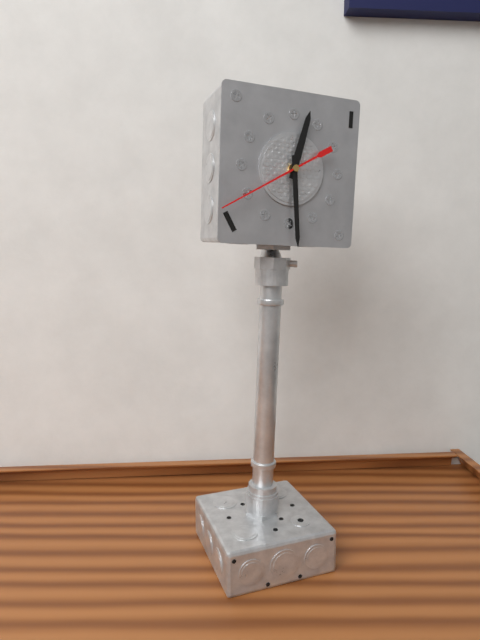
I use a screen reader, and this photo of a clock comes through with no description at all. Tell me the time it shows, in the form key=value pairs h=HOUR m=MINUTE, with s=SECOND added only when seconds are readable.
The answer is h=12 m=29 s=40
